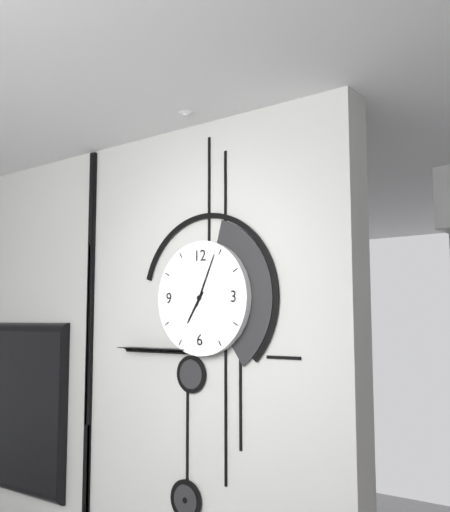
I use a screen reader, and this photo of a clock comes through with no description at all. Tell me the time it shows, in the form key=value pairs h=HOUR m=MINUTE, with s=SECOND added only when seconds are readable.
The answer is h=7 m=4
